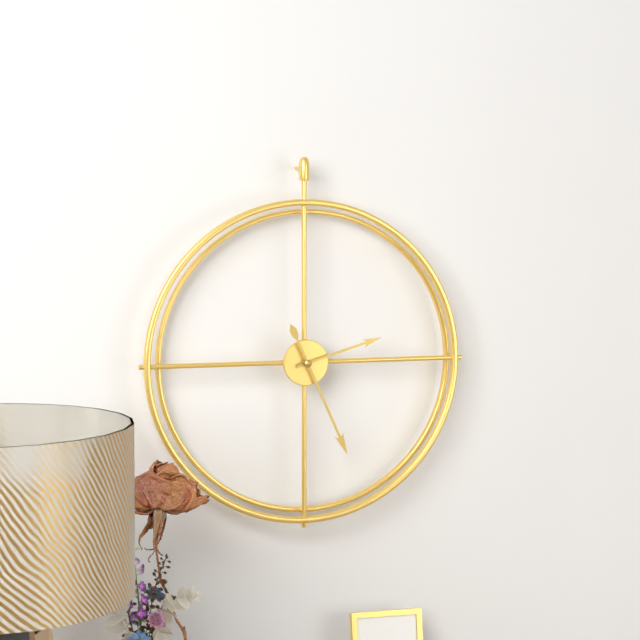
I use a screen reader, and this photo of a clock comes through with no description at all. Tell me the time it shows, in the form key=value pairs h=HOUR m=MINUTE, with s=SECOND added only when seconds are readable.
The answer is h=2 m=26
